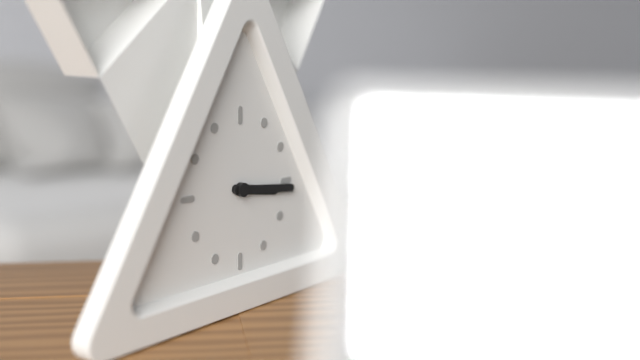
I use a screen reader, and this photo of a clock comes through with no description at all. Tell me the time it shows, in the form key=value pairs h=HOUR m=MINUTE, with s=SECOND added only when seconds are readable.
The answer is h=3 m=16
